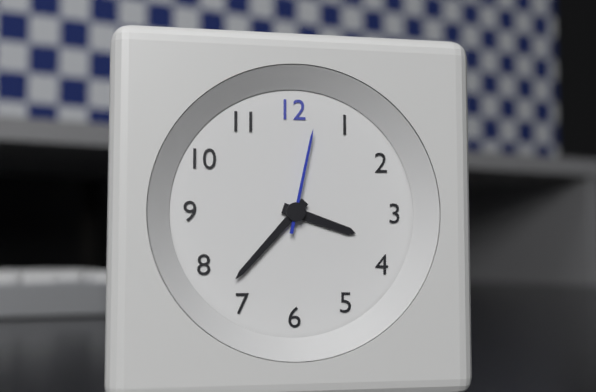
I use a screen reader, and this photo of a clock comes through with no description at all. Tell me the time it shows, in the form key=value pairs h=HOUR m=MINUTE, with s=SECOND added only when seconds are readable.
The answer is h=3 m=37 s=2
